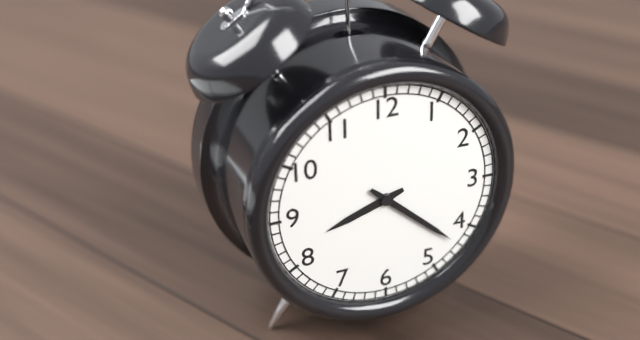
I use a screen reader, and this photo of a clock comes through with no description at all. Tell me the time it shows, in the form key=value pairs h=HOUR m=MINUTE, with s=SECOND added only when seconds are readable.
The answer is h=8 m=22
